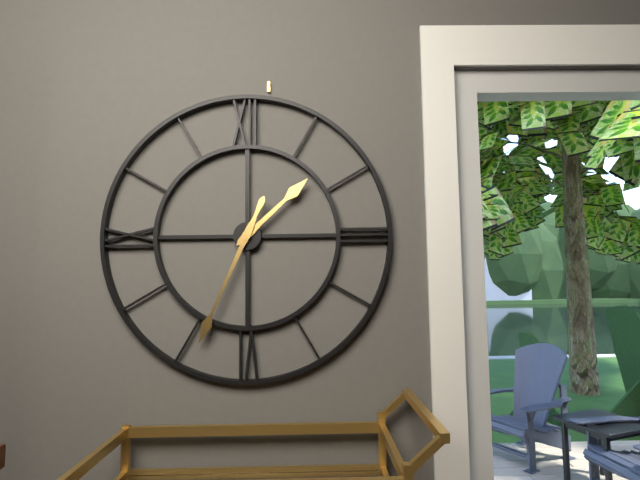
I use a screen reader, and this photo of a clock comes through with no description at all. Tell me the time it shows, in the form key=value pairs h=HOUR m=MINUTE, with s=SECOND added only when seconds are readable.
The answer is h=1 m=34
